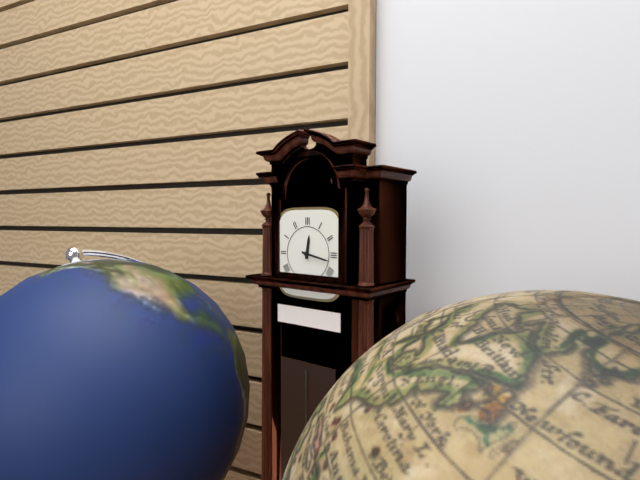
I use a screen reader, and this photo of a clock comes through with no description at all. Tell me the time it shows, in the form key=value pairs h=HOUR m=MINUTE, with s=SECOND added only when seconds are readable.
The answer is h=12 m=17
